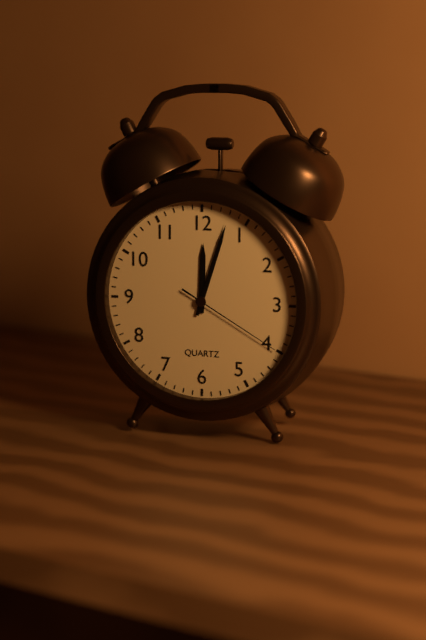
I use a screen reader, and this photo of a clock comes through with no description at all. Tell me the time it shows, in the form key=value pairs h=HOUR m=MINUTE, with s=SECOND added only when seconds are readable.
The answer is h=12 m=3 s=20
